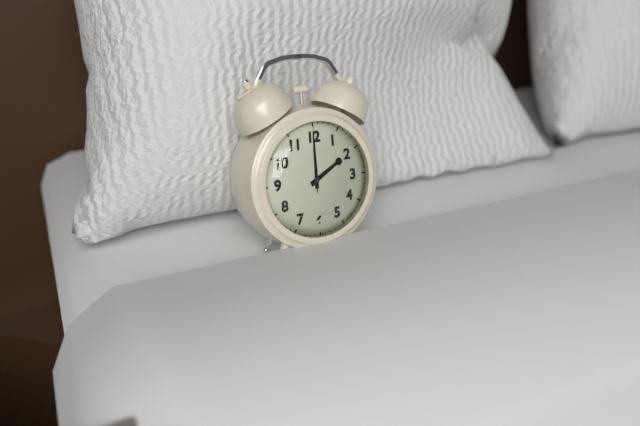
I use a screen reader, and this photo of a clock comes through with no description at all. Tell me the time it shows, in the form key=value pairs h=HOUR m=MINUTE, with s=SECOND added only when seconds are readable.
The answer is h=2 m=0 s=0
